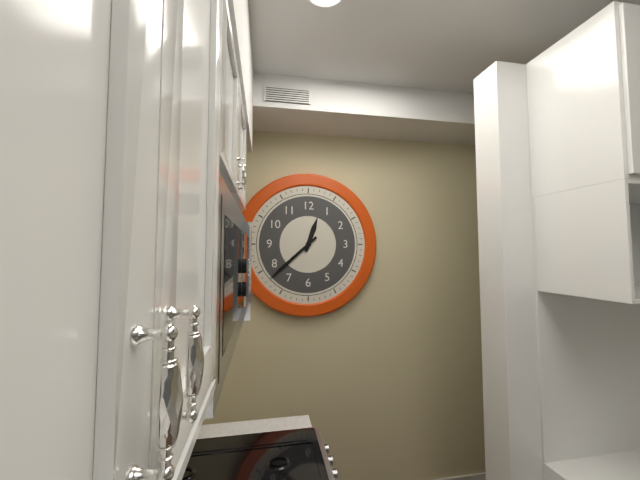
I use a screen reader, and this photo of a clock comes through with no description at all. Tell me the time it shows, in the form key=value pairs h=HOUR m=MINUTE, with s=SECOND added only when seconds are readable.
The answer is h=12 m=38
